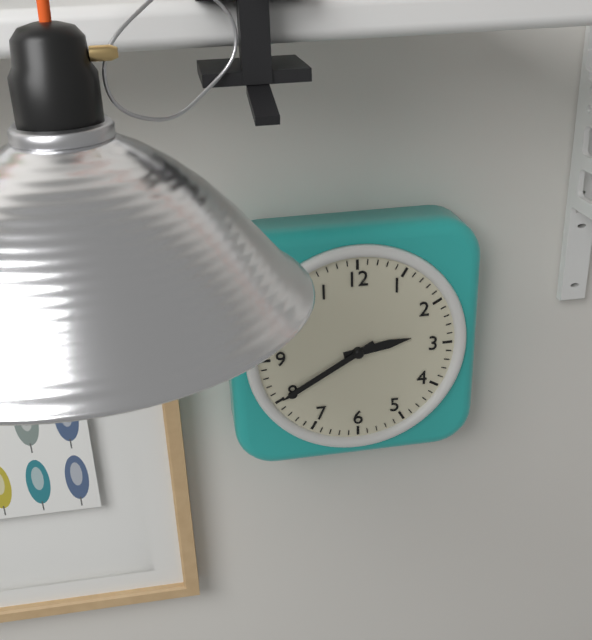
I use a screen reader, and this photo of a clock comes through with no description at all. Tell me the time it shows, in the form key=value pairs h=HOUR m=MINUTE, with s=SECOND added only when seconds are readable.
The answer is h=2 m=40
